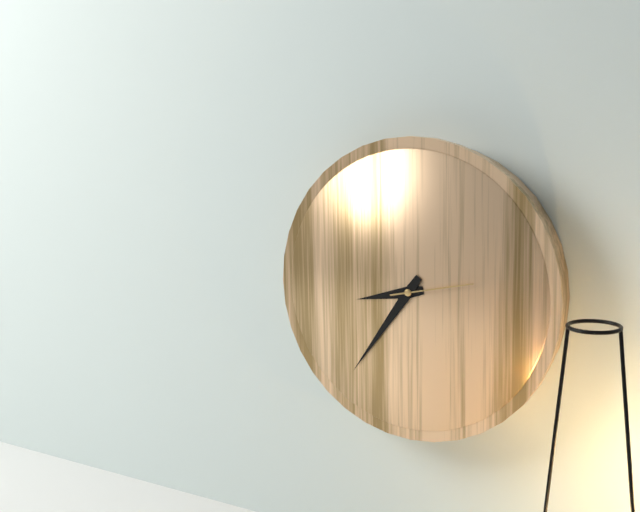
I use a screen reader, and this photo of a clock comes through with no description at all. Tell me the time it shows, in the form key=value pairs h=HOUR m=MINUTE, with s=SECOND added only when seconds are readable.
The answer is h=8 m=36 s=13
